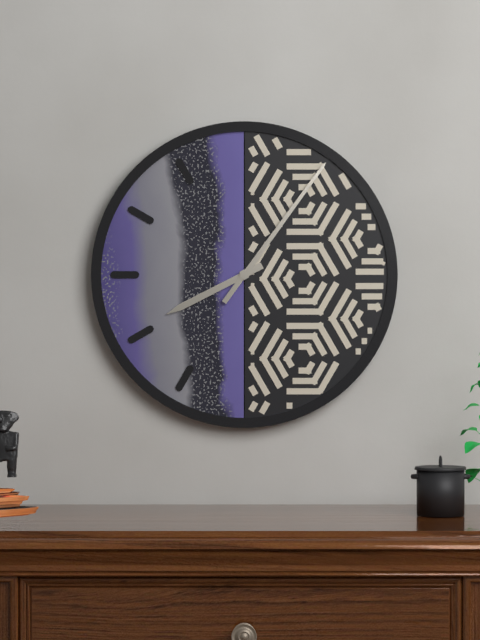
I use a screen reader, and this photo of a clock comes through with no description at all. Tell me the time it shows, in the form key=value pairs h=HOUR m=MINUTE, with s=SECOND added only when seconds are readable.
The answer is h=8 m=6
